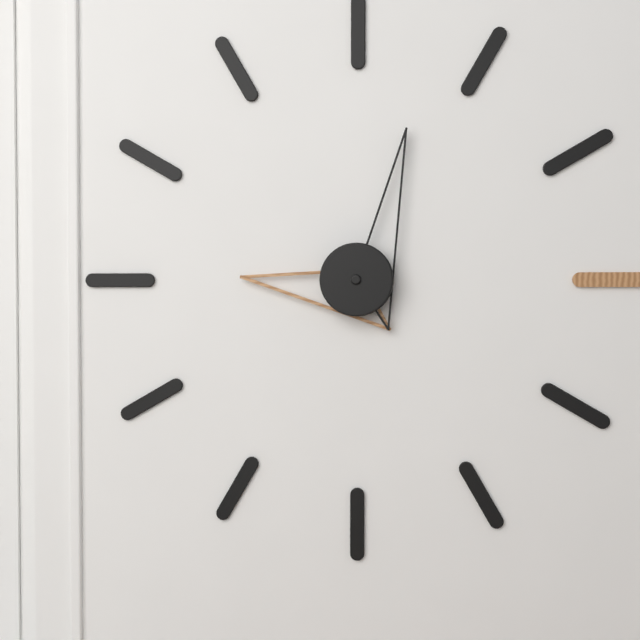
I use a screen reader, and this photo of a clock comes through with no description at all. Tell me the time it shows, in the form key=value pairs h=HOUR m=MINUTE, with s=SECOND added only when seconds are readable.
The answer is h=9 m=3
